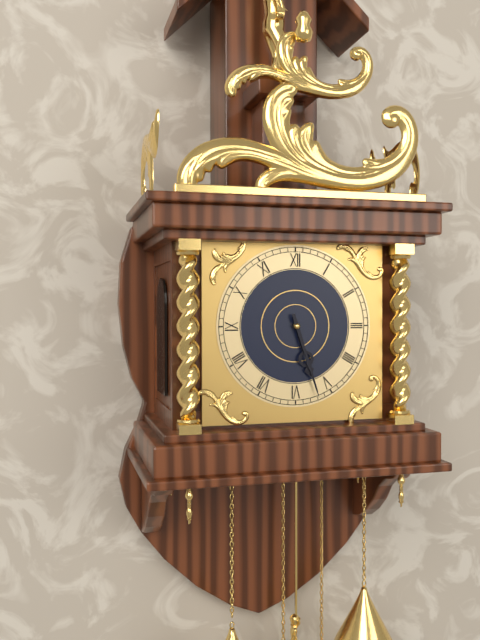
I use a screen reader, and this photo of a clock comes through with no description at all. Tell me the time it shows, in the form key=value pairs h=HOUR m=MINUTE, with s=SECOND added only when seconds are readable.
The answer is h=5 m=27
